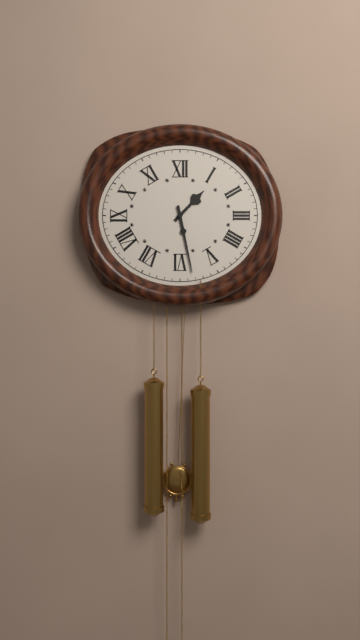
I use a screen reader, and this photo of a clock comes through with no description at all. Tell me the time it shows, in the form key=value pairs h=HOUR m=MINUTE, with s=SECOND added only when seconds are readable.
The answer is h=1 m=28
